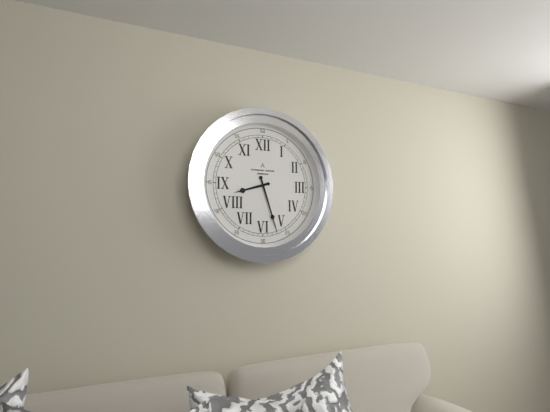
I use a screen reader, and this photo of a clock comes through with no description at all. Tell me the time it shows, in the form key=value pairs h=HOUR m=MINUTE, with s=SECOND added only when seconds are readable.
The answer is h=8 m=27
